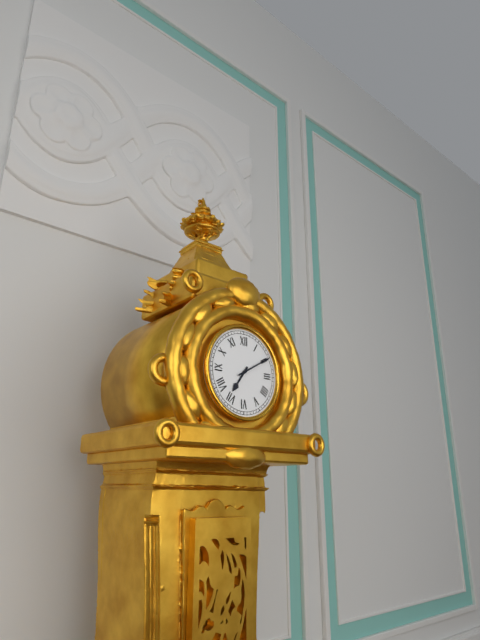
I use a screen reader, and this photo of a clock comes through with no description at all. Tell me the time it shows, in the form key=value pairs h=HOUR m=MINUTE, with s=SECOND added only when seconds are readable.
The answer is h=7 m=10
